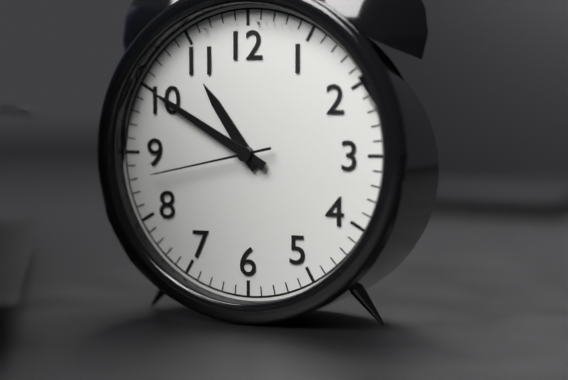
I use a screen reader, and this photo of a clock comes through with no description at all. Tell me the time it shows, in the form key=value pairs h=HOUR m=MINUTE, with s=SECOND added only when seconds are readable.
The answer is h=10 m=50 s=43
